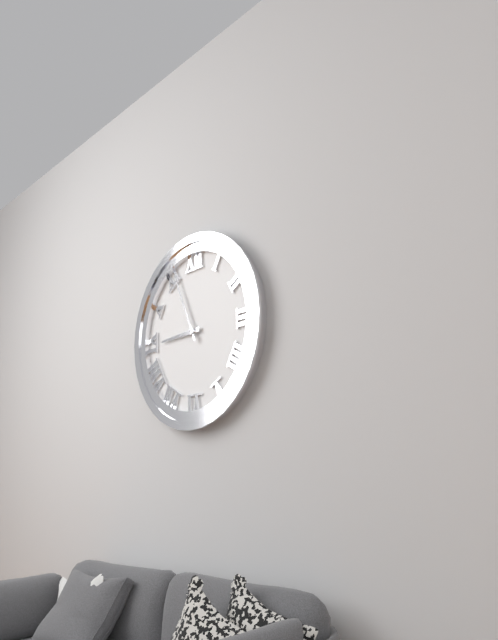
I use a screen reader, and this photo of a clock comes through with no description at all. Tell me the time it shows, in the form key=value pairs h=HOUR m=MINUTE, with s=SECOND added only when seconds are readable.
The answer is h=8 m=56
